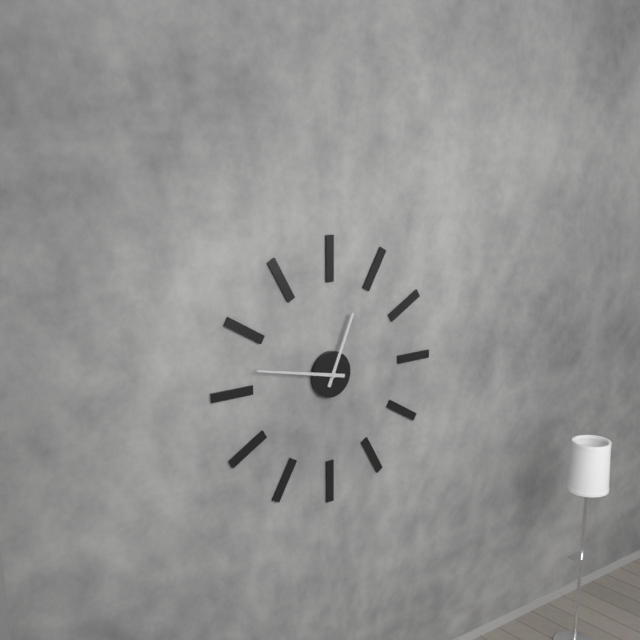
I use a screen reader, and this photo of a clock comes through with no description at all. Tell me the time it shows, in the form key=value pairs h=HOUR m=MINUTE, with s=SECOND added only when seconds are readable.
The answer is h=12 m=47
